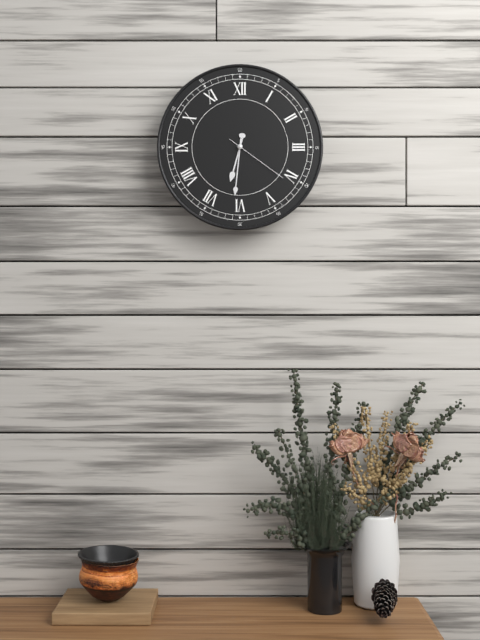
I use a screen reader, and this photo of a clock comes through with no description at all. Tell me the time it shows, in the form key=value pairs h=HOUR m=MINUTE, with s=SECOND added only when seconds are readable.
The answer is h=6 m=31 s=21
